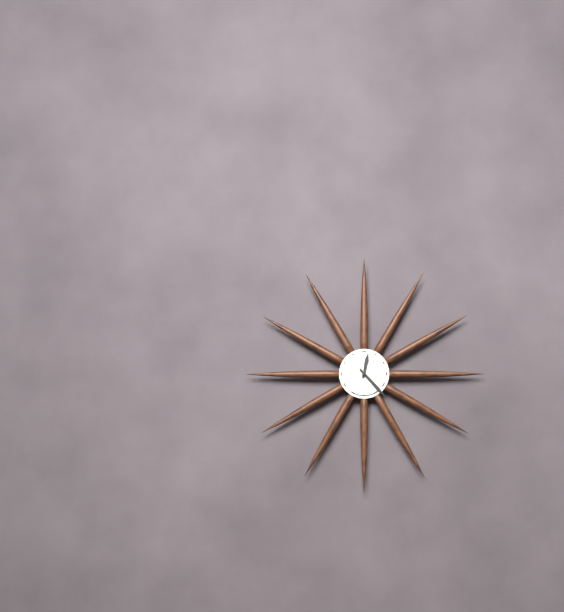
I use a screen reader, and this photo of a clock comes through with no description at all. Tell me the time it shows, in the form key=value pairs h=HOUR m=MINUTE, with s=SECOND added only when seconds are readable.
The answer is h=12 m=23
